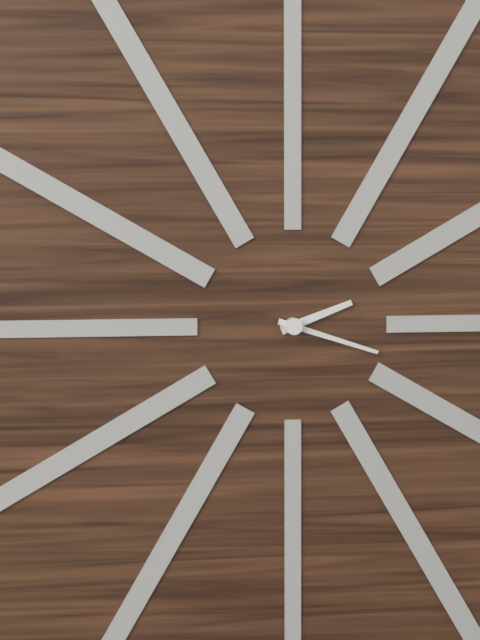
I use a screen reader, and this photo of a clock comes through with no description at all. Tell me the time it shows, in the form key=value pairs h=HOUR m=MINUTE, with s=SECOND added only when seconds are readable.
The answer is h=2 m=18
